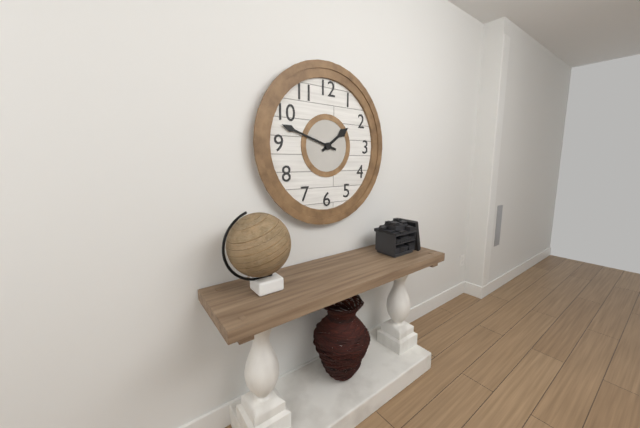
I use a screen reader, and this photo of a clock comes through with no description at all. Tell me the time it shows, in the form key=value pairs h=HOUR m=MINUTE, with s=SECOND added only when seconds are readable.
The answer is h=1 m=48
